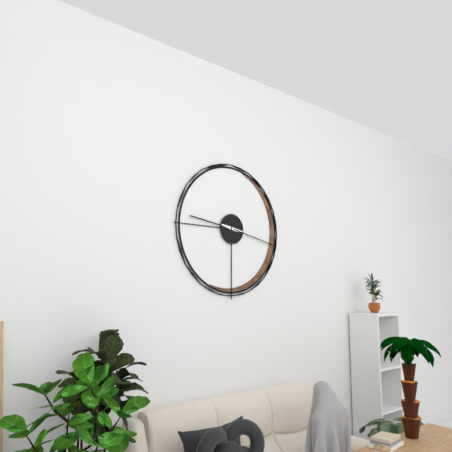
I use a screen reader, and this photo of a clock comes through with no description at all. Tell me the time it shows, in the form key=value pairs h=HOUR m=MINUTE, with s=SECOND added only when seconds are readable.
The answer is h=9 m=17
